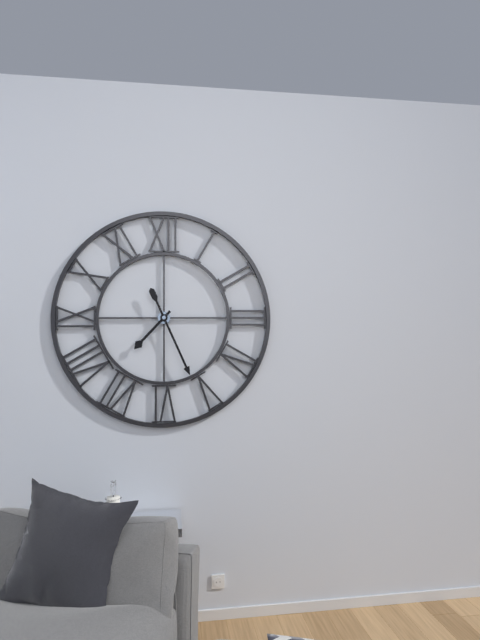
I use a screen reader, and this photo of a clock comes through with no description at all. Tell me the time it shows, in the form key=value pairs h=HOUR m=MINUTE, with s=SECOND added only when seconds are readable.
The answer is h=7 m=26
